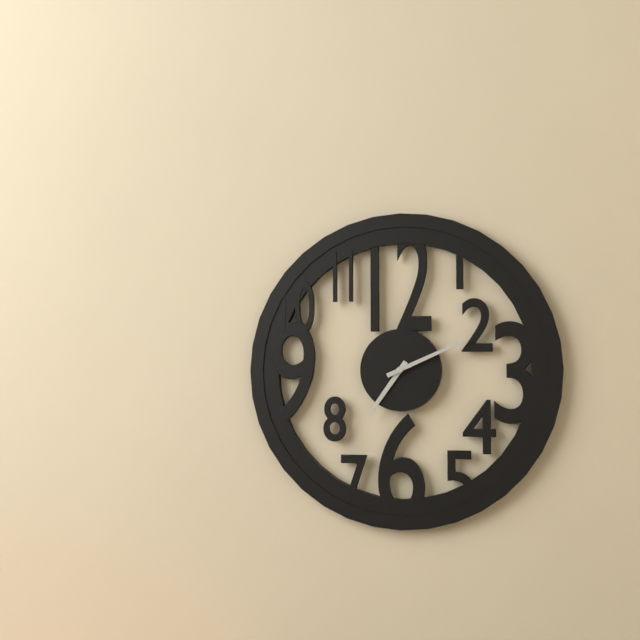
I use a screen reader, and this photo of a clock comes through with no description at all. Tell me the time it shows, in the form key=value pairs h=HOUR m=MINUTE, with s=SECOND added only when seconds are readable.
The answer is h=7 m=11
